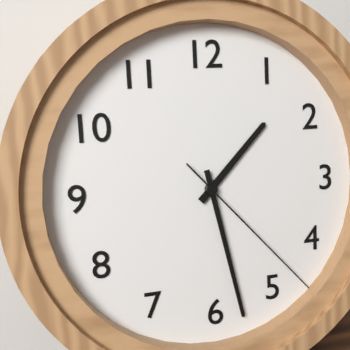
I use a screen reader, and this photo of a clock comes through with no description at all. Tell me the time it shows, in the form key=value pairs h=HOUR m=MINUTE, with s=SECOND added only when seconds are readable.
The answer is h=1 m=28 s=23
